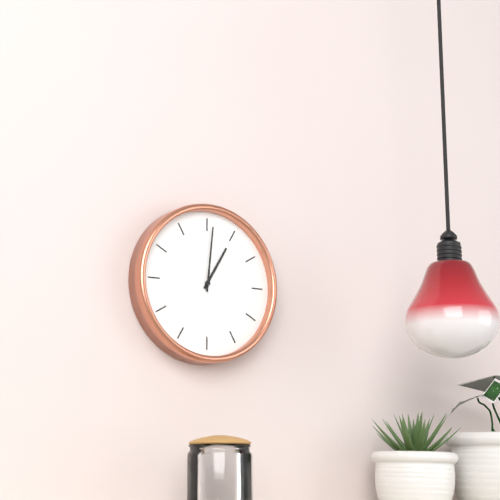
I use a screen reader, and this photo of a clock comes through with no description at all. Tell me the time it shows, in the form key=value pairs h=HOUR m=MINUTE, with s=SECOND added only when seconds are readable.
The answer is h=1 m=1
